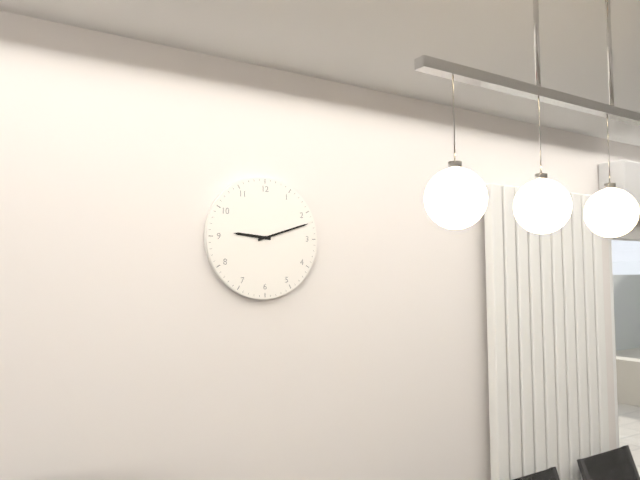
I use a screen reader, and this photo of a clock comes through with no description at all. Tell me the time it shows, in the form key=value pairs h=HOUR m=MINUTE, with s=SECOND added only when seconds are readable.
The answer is h=9 m=12
